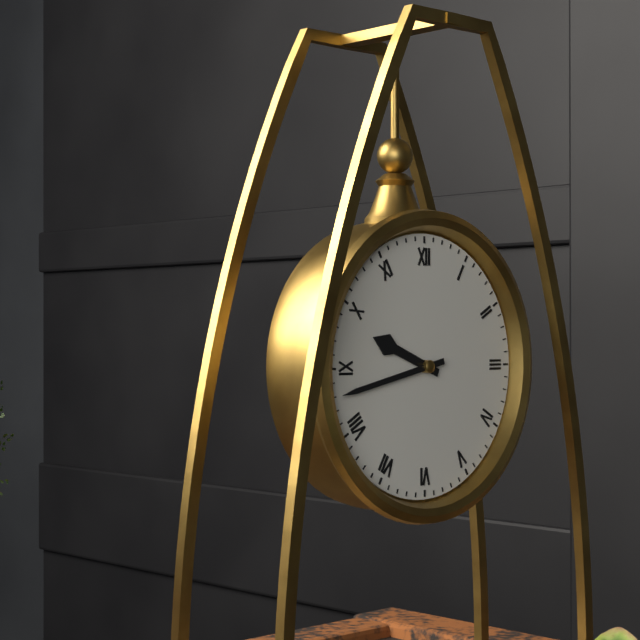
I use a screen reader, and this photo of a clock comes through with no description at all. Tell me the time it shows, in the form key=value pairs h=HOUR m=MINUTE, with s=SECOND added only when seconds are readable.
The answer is h=9 m=43
